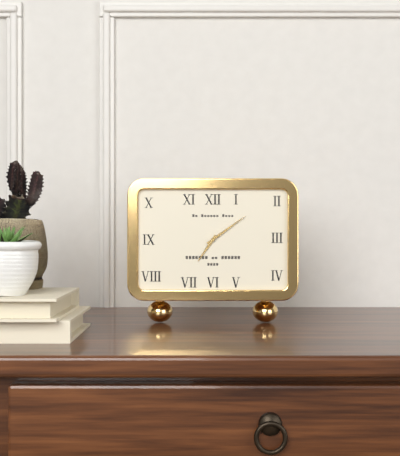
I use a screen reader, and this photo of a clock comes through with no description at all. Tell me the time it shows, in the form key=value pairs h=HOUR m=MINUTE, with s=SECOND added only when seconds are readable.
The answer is h=7 m=9
